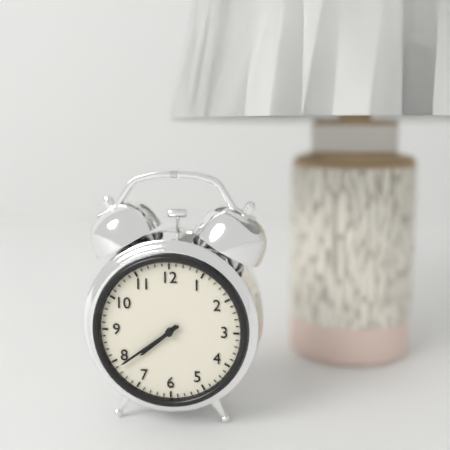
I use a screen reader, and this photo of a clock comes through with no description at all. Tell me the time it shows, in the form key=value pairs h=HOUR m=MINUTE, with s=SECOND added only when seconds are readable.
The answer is h=7 m=39
